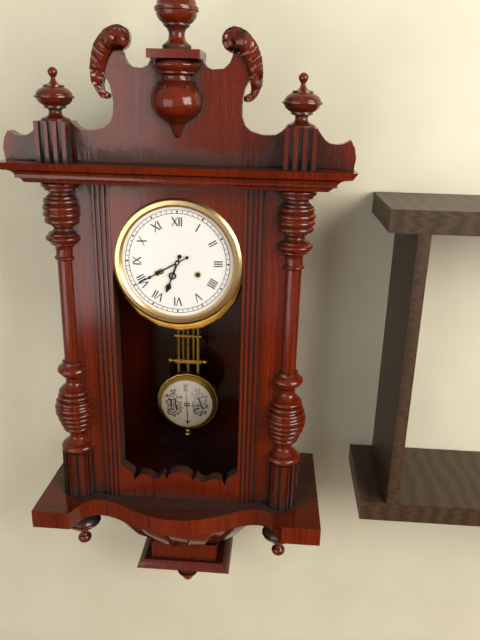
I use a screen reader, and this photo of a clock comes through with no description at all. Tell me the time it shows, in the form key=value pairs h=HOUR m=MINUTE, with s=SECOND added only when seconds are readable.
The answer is h=6 m=40
